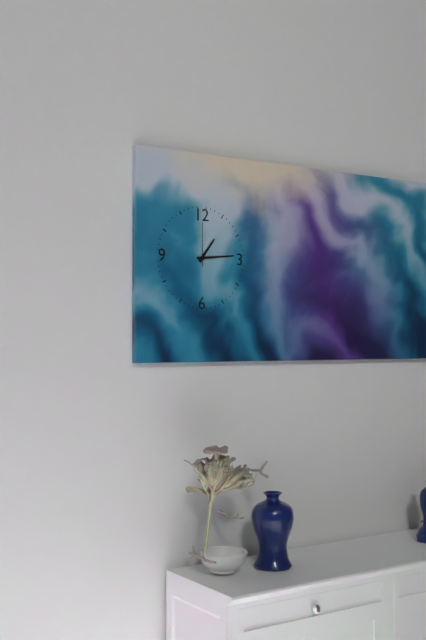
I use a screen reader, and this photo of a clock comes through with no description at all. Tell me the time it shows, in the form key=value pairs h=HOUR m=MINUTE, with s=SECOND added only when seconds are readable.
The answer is h=1 m=14
